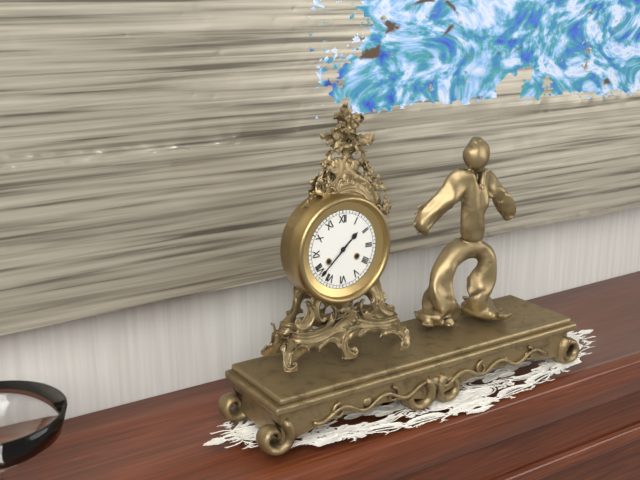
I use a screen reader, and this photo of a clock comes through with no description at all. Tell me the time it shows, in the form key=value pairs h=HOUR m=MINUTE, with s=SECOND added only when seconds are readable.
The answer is h=1 m=38
